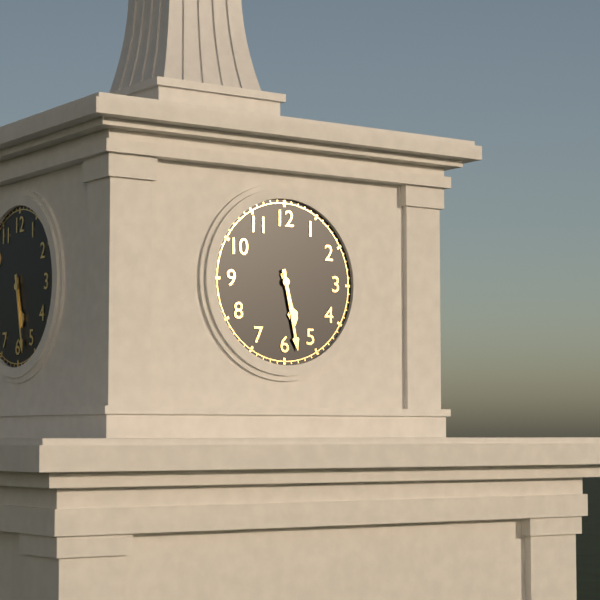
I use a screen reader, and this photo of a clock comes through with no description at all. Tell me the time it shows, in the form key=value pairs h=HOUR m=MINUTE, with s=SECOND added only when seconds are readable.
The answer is h=5 m=28
